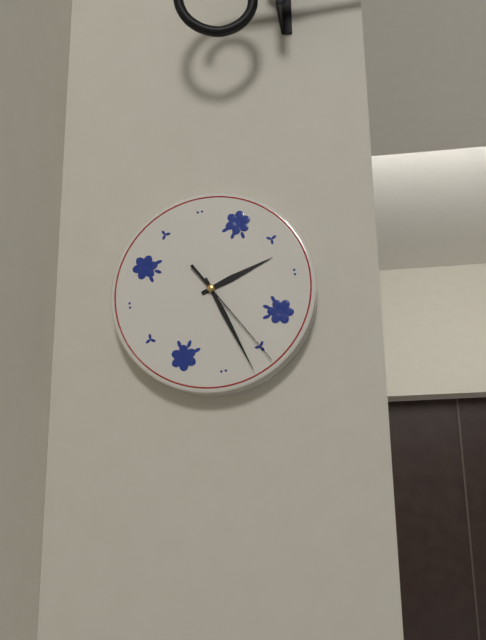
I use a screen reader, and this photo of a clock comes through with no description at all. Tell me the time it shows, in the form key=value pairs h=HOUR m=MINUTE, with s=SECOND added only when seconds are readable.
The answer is h=2 m=27 s=25
